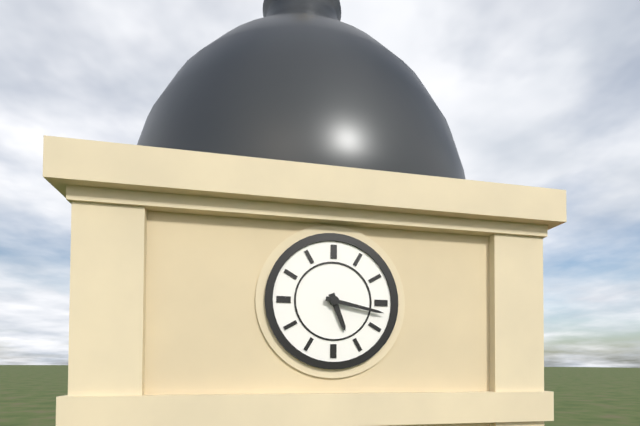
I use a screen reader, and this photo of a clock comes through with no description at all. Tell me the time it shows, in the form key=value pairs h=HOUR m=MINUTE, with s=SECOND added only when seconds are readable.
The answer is h=5 m=17
